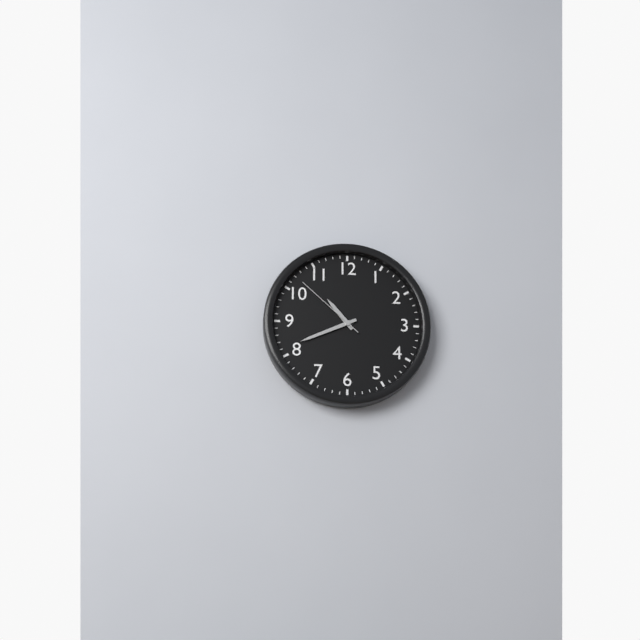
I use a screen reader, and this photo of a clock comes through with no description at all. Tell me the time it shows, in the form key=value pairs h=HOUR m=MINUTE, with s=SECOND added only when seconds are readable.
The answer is h=10 m=41 s=52
